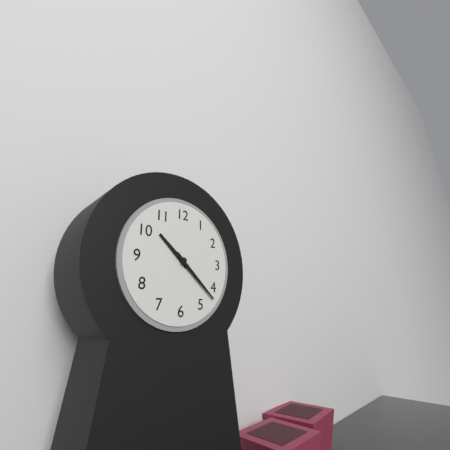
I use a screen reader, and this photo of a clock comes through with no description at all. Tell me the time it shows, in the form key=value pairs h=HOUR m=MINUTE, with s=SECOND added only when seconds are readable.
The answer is h=10 m=22
